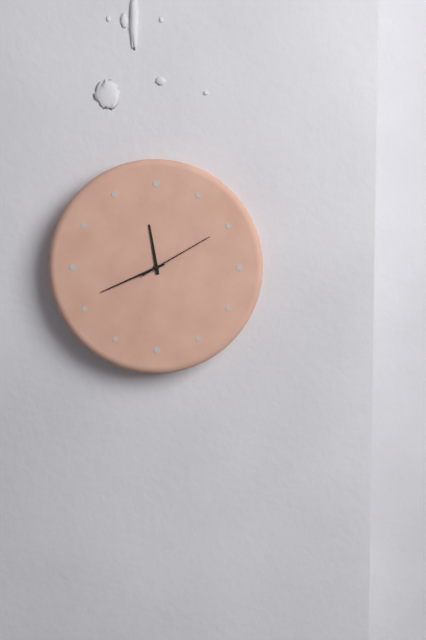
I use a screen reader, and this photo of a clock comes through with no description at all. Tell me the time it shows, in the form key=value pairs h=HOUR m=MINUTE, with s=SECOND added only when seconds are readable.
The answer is h=11 m=41 s=10
